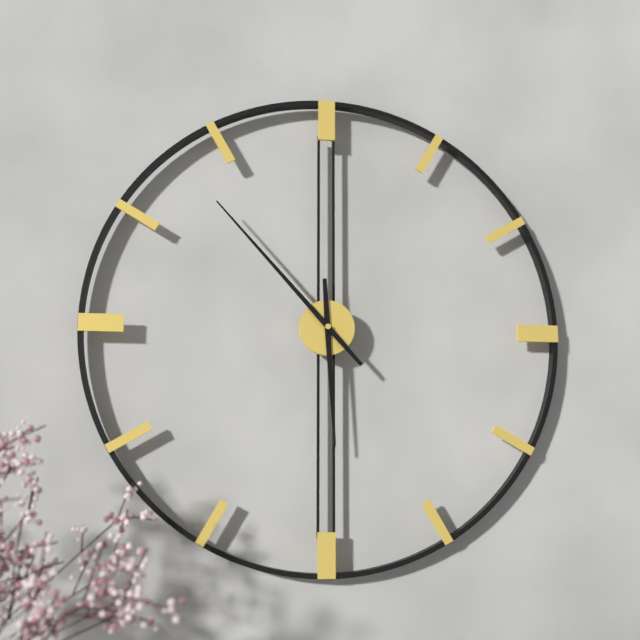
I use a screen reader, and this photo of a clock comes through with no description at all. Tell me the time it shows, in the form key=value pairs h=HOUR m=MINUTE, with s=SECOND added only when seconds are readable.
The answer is h=5 m=53
